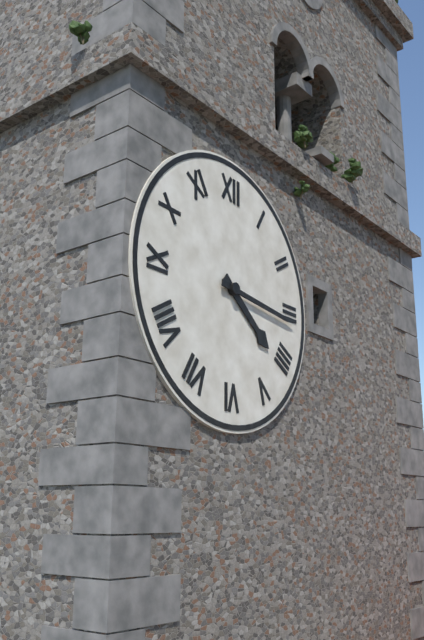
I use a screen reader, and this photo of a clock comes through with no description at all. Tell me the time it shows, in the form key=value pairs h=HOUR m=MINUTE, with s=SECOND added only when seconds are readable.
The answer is h=4 m=16
